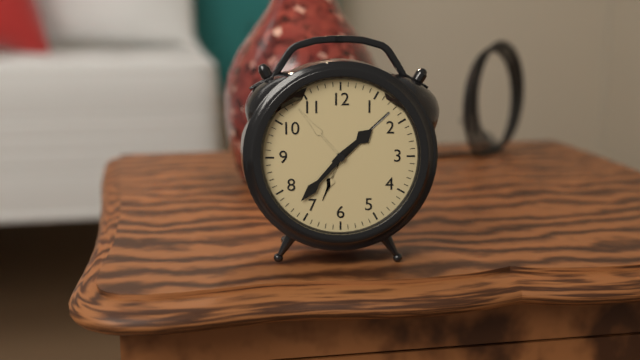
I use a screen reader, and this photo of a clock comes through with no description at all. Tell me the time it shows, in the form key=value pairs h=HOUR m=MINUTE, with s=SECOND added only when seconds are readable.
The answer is h=1 m=37
